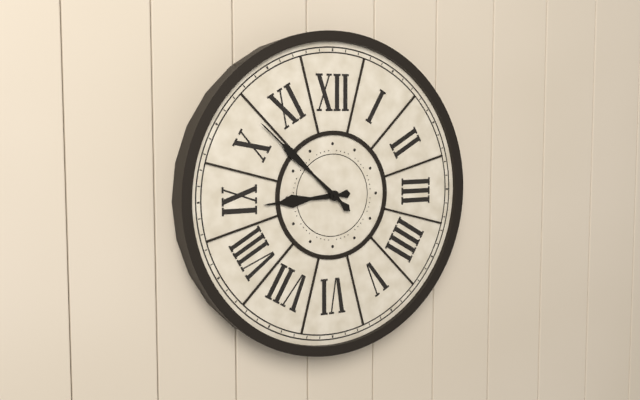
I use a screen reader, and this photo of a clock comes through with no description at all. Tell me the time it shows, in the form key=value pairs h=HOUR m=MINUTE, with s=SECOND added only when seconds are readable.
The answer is h=8 m=52
